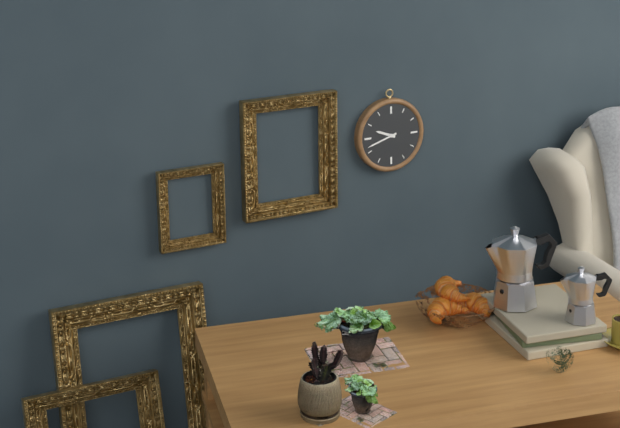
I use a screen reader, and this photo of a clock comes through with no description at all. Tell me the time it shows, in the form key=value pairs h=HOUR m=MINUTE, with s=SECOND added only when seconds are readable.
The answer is h=9 m=42
